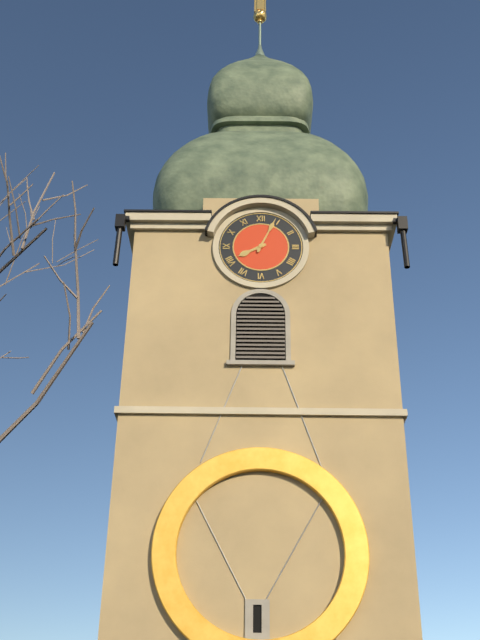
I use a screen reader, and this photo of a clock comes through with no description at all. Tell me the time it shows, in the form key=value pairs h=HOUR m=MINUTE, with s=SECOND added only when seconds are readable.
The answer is h=8 m=4
